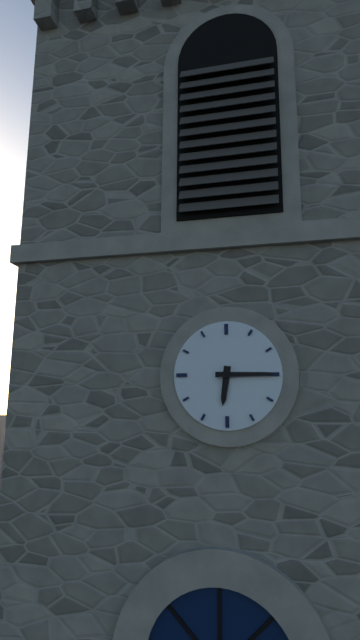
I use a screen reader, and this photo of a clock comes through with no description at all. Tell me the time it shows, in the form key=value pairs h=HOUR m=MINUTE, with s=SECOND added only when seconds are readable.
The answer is h=6 m=15
